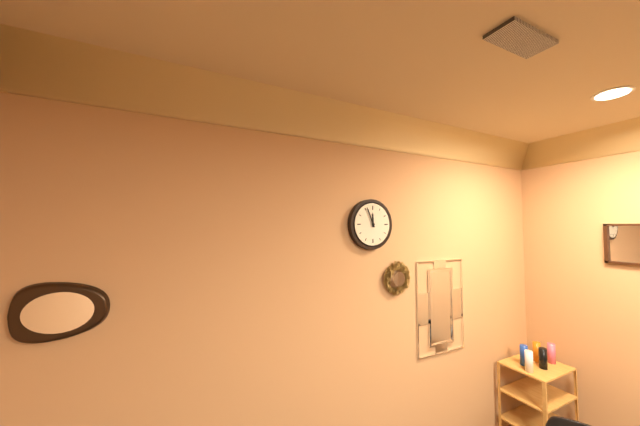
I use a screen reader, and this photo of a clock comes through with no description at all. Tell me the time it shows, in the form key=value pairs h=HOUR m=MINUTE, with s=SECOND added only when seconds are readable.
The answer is h=11 m=56
